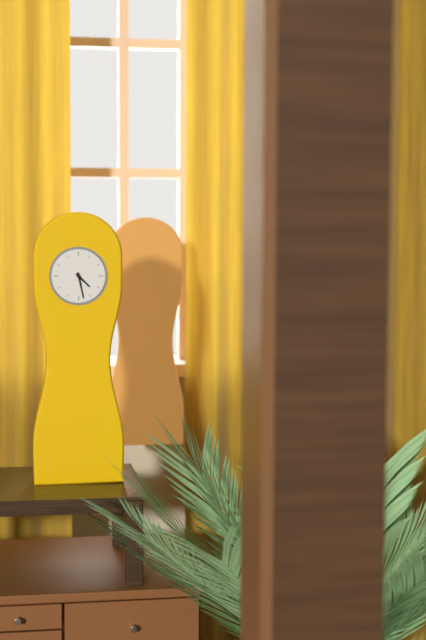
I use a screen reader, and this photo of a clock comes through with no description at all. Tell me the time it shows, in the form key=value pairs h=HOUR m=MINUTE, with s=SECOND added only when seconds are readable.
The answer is h=4 m=28
